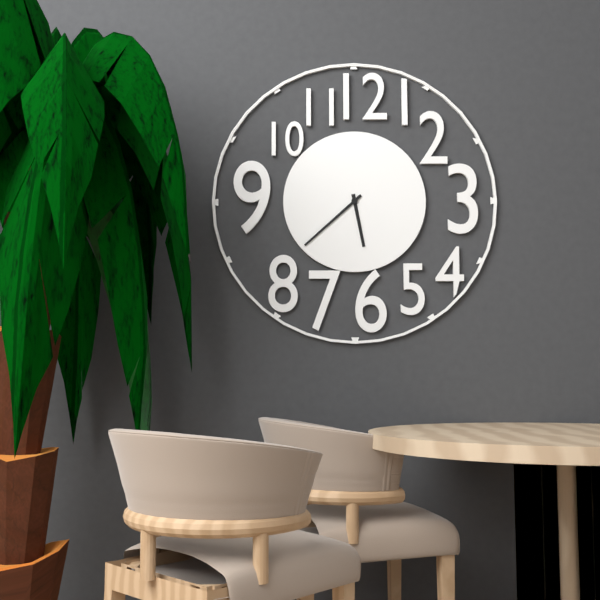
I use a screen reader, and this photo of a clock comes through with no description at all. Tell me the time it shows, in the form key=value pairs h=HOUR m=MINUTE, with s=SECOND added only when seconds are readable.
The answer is h=5 m=38
